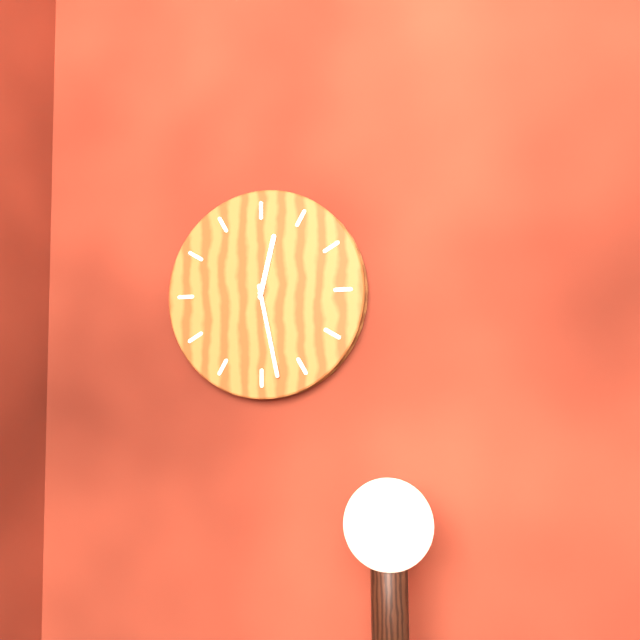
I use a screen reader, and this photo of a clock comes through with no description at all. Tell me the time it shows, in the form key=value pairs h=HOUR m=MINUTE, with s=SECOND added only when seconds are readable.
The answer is h=12 m=28
